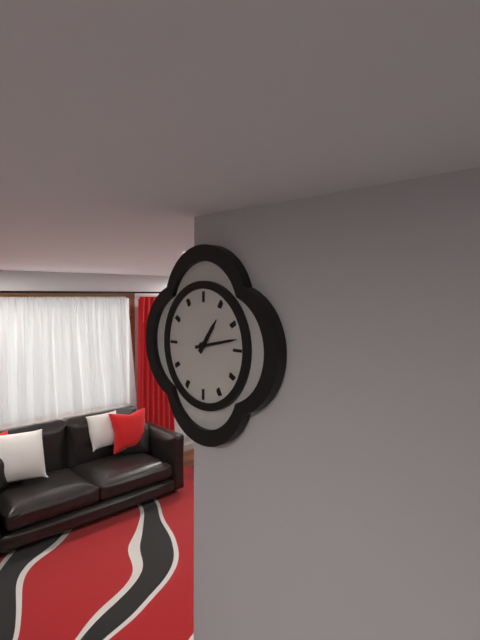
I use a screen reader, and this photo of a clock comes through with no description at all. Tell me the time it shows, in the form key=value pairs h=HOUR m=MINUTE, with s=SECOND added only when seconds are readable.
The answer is h=1 m=13
